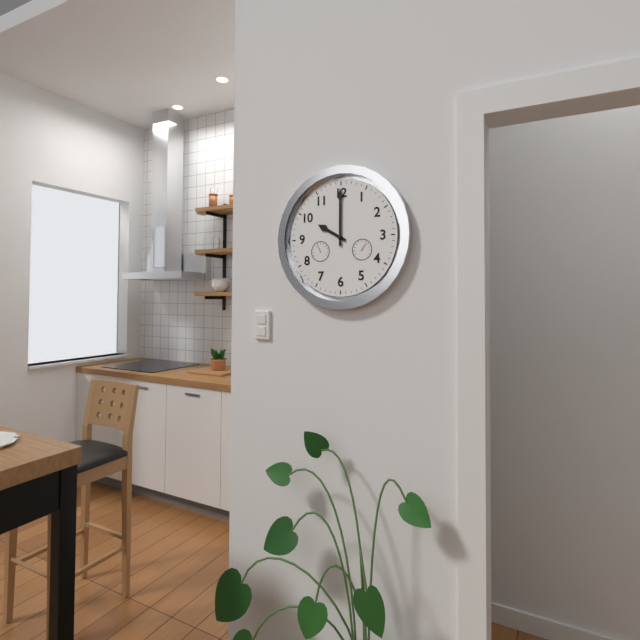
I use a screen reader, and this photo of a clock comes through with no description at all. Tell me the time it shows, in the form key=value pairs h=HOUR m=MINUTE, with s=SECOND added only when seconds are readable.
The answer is h=10 m=0
